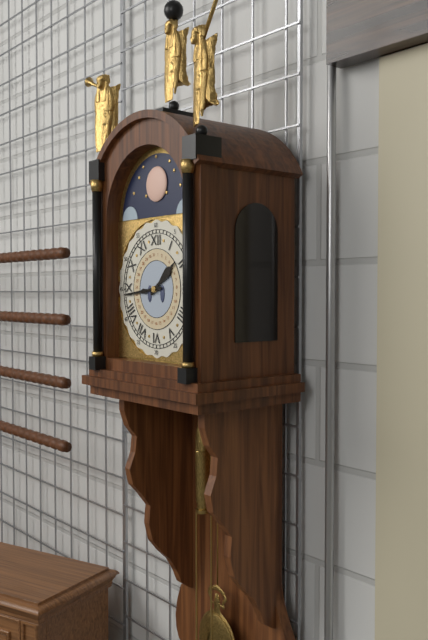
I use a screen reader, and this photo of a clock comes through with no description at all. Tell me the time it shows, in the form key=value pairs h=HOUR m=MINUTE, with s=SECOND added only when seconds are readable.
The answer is h=1 m=44
